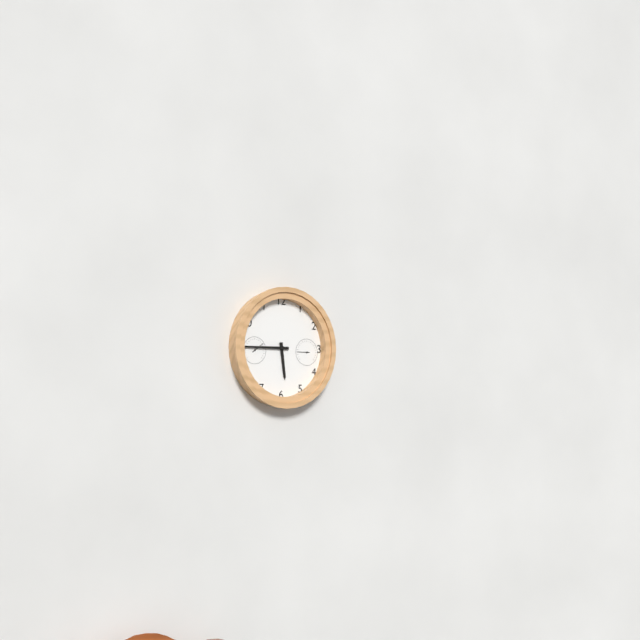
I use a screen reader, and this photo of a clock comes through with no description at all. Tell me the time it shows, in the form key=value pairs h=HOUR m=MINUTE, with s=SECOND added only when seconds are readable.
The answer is h=5 m=45
